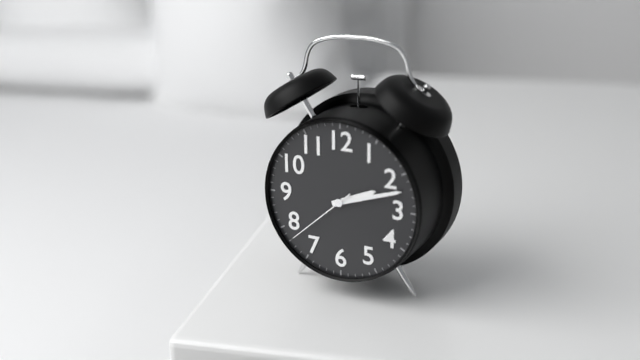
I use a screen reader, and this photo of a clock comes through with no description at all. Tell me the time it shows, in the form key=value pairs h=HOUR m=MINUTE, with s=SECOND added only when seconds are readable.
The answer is h=2 m=12 s=38
